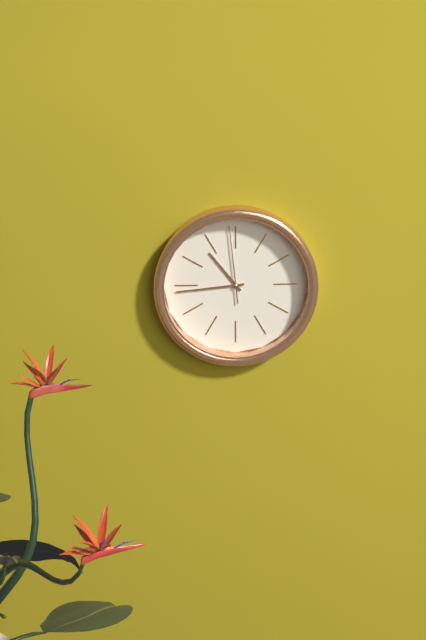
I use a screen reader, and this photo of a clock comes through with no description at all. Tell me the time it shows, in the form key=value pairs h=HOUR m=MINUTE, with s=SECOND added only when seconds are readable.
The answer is h=10 m=44 s=59
